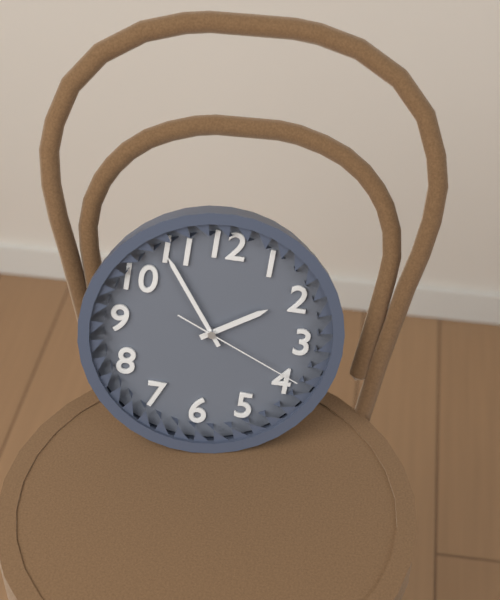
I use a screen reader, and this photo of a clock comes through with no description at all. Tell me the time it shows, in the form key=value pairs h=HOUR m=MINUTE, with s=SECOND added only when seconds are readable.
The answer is h=1 m=54 s=19
